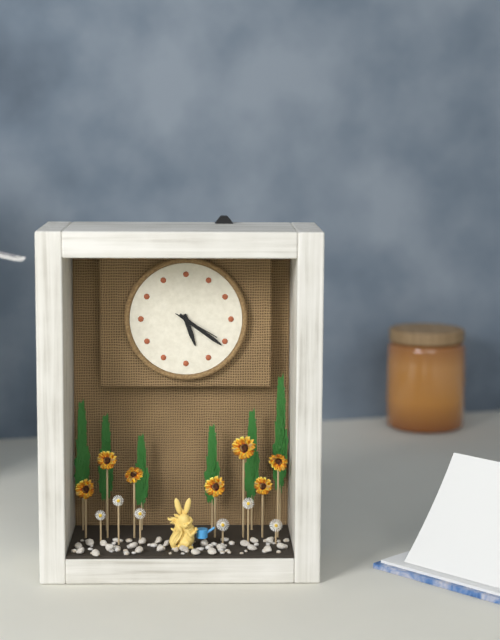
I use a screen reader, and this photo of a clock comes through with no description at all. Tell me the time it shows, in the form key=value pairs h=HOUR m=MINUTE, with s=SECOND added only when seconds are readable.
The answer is h=5 m=21
